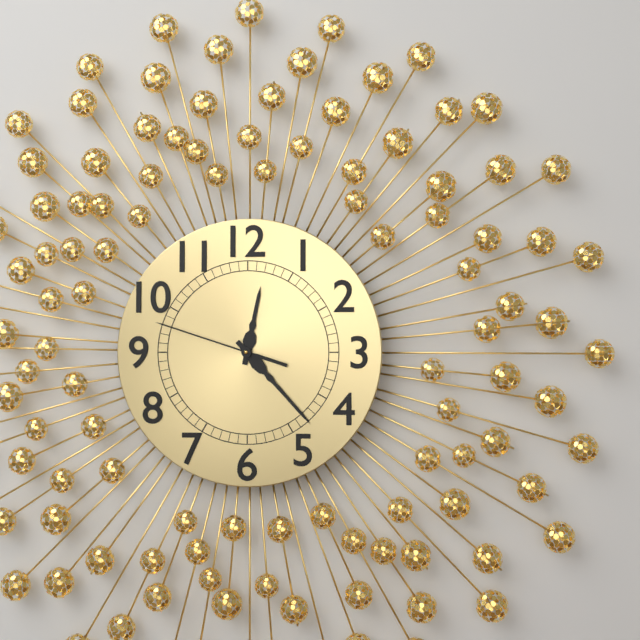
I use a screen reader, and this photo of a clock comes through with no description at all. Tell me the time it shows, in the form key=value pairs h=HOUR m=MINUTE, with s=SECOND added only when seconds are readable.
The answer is h=12 m=23 s=48
